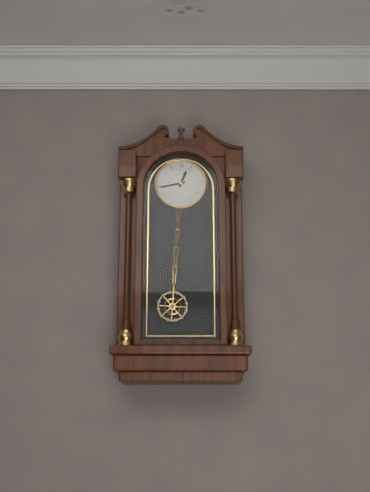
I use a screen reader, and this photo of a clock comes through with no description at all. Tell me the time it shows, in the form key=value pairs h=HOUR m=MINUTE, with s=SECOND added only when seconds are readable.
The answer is h=12 m=43
